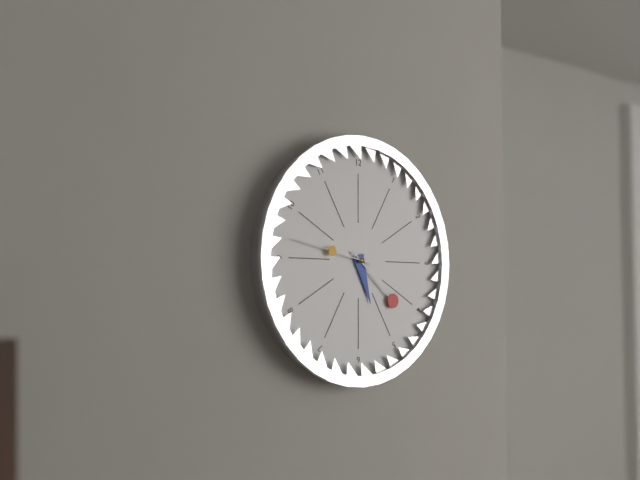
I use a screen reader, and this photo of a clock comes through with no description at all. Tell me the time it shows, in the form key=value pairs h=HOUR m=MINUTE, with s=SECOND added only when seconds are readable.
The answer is h=5 m=22 s=47
